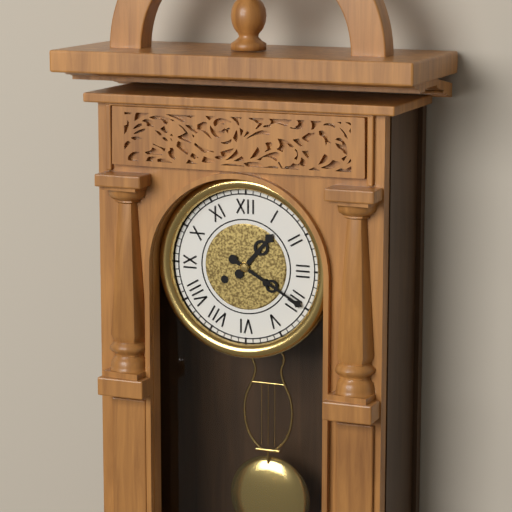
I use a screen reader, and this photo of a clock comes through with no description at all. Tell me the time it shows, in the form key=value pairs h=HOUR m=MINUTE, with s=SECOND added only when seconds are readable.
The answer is h=1 m=20
